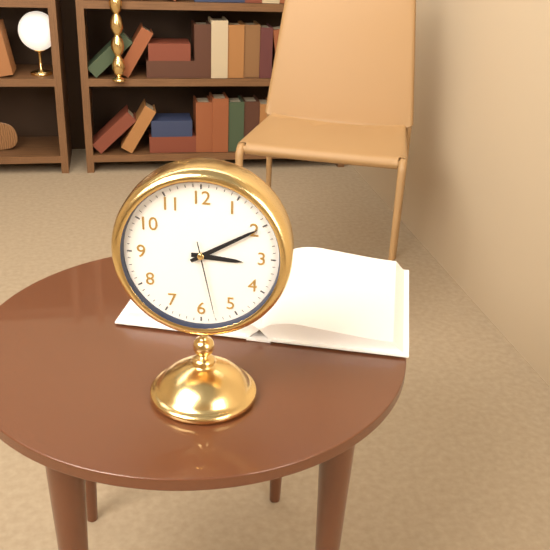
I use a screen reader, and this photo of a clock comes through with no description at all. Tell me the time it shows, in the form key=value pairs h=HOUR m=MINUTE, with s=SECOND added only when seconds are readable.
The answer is h=3 m=10 s=28
